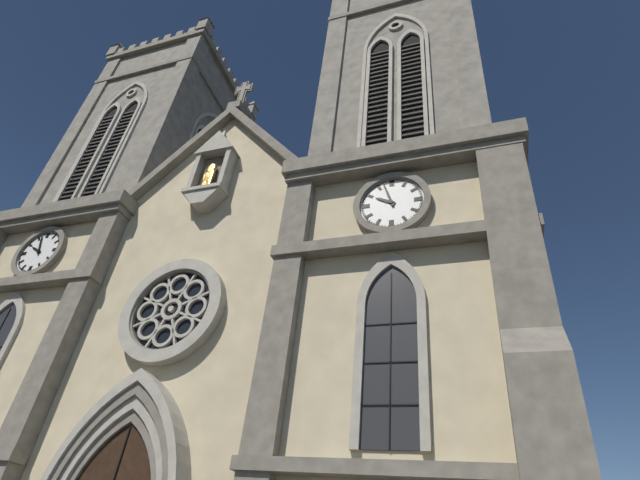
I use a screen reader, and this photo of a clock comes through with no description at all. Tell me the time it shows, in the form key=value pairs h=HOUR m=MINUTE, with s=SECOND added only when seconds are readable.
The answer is h=9 m=57
